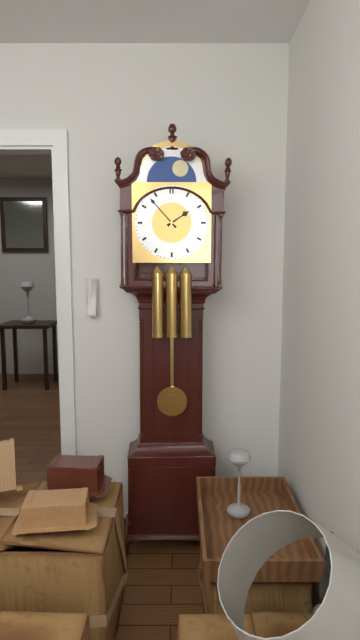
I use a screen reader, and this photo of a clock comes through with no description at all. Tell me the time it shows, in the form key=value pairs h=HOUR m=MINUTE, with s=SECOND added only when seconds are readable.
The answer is h=1 m=53
